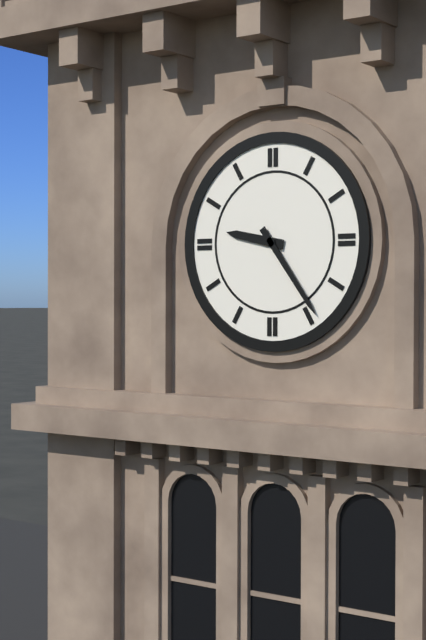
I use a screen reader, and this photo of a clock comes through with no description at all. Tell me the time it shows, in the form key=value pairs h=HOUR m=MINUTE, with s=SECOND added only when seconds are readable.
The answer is h=9 m=24
